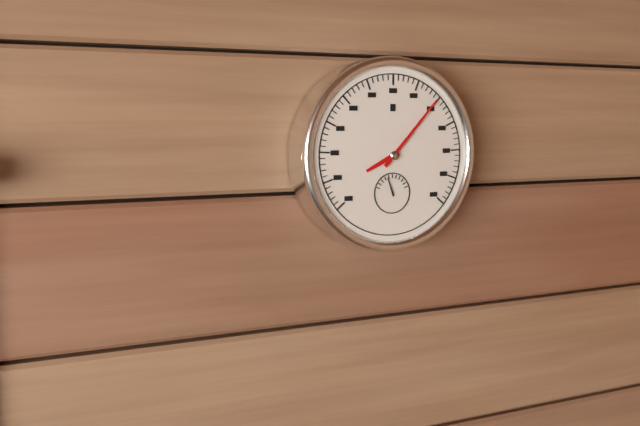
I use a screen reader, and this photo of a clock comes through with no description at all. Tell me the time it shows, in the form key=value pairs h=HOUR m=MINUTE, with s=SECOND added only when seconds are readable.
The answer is h=8 m=7
